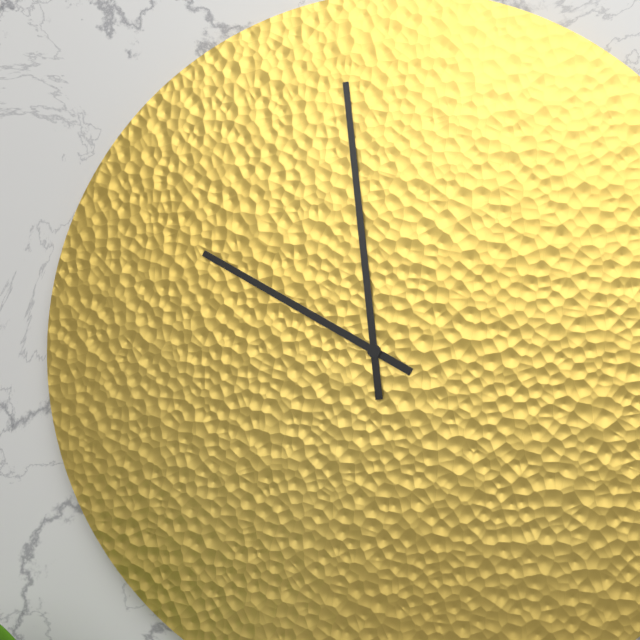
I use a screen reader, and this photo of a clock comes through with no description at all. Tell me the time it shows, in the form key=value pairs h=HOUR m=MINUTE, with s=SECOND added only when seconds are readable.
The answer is h=9 m=59
